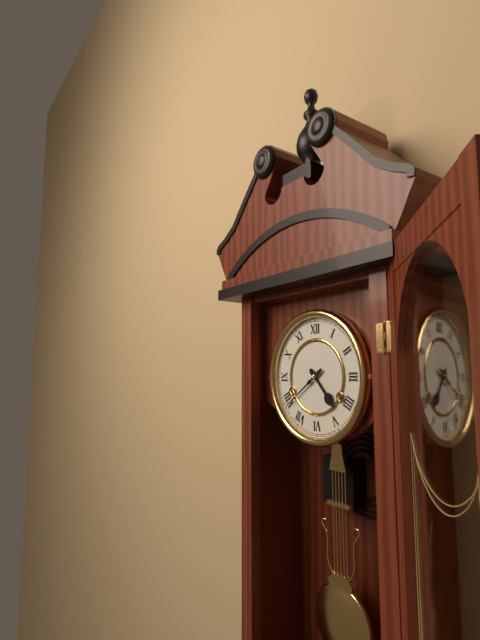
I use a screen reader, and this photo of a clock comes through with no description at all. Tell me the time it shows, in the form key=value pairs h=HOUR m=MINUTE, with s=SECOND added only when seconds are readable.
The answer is h=4 m=39
